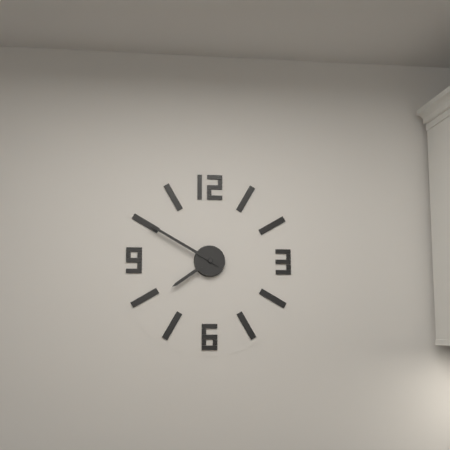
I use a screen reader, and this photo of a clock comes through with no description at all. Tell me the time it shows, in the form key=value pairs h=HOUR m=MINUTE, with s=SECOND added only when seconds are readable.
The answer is h=7 m=50
